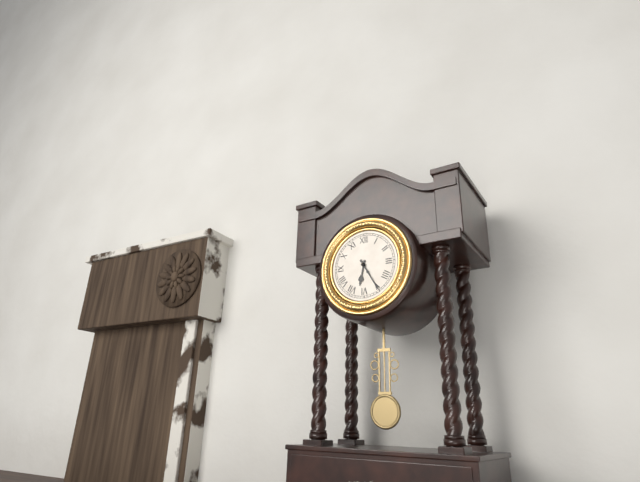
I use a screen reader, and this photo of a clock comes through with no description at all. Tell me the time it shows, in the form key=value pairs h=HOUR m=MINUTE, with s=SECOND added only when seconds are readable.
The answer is h=6 m=25
